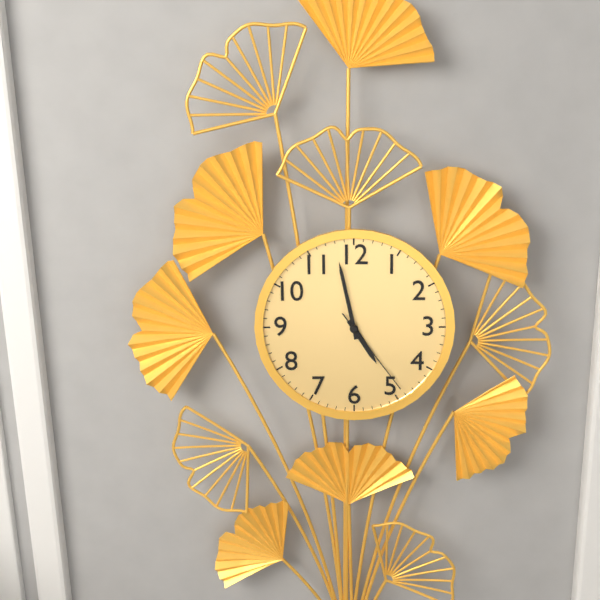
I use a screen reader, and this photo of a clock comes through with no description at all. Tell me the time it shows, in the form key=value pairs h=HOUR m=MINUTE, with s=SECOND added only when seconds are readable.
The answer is h=4 m=58 s=24
